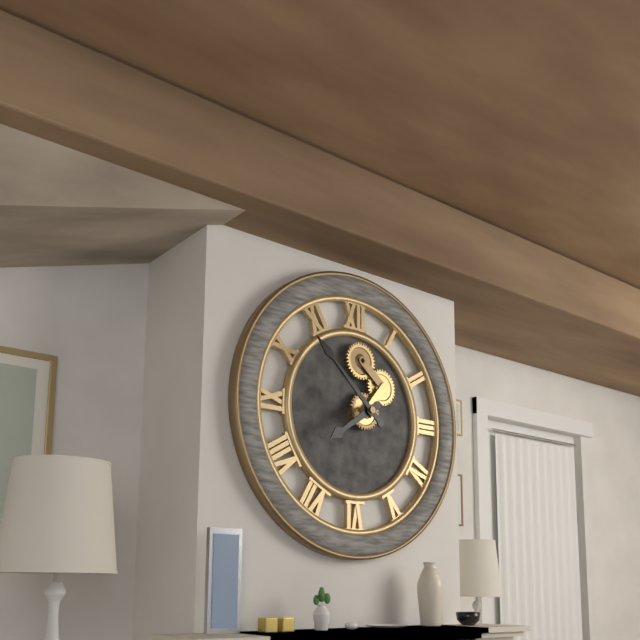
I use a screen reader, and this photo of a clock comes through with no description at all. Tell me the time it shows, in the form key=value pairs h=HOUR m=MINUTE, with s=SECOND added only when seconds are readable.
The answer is h=7 m=52
